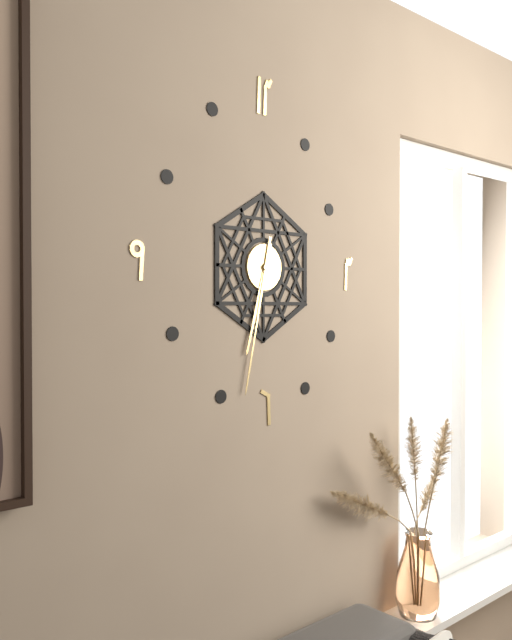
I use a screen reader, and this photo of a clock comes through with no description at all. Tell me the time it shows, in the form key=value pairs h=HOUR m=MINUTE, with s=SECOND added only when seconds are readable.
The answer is h=6 m=32
